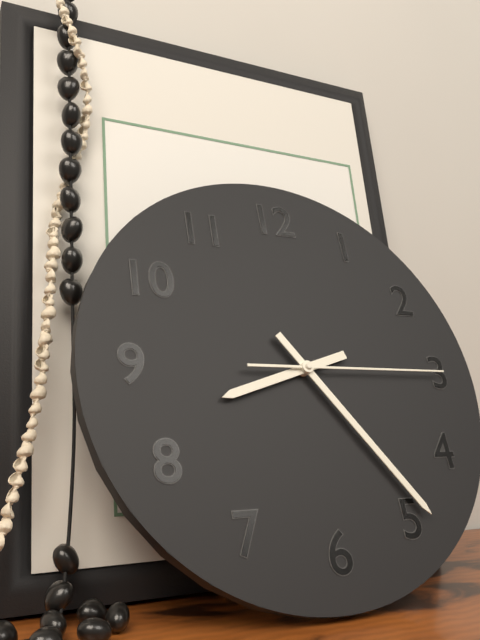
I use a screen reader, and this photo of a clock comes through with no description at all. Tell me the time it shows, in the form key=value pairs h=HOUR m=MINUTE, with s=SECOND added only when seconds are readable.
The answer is h=8 m=24 s=15
